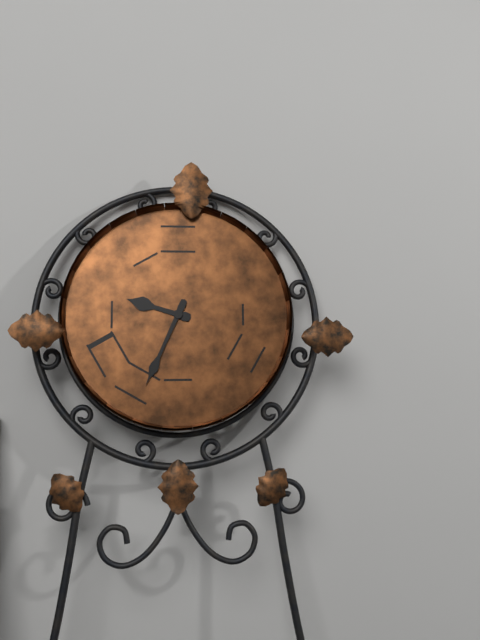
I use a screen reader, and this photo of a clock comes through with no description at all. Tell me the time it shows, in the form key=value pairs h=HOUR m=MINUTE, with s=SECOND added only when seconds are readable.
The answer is h=9 m=34
